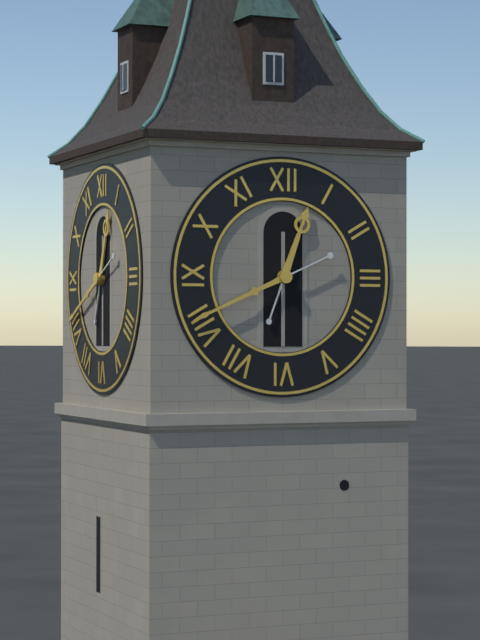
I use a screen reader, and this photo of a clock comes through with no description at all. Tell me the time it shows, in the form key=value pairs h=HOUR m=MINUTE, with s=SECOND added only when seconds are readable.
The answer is h=12 m=41
